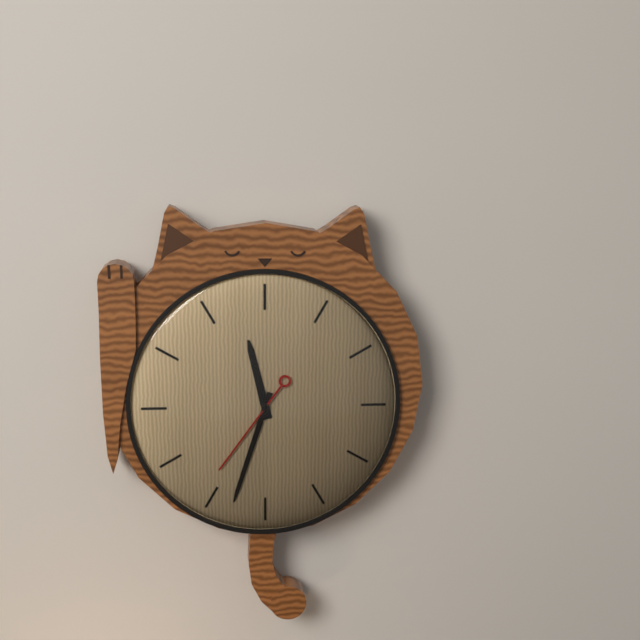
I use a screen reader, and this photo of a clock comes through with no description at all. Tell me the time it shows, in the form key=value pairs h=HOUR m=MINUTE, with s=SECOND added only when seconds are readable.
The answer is h=11 m=33 s=36
